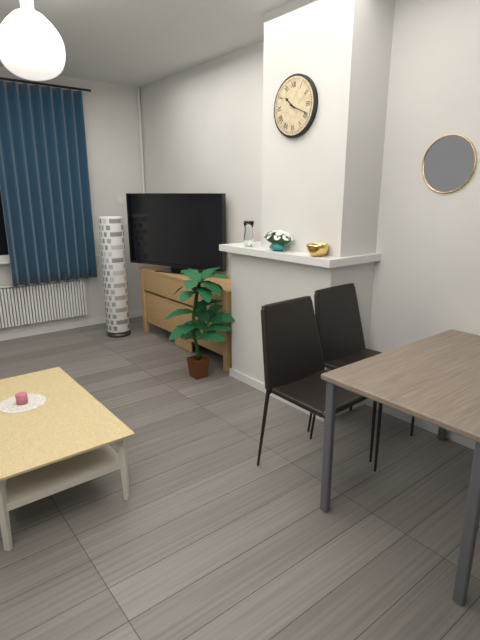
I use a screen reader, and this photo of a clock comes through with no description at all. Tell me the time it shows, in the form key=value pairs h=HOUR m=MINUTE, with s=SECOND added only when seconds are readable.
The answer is h=10 m=19
